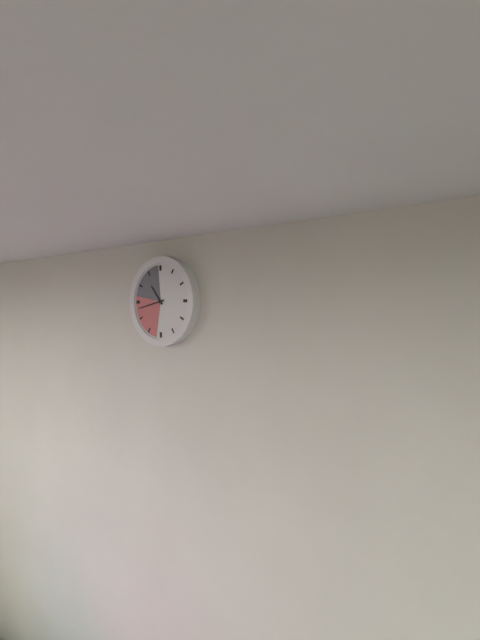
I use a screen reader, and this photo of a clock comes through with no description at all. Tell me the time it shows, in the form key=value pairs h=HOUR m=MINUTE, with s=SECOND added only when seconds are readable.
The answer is h=10 m=43
